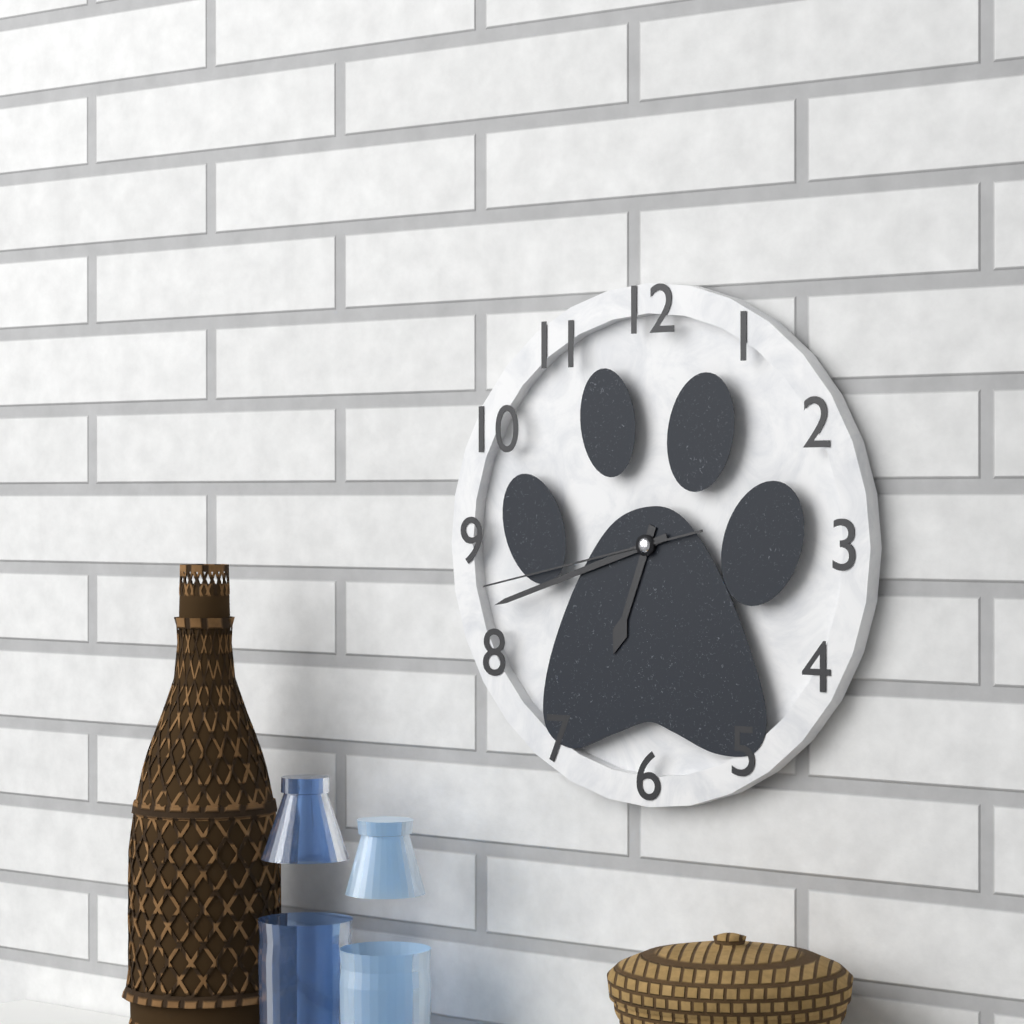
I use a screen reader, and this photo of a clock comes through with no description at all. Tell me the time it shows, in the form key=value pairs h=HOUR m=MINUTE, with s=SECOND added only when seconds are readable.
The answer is h=6 m=42 s=43
